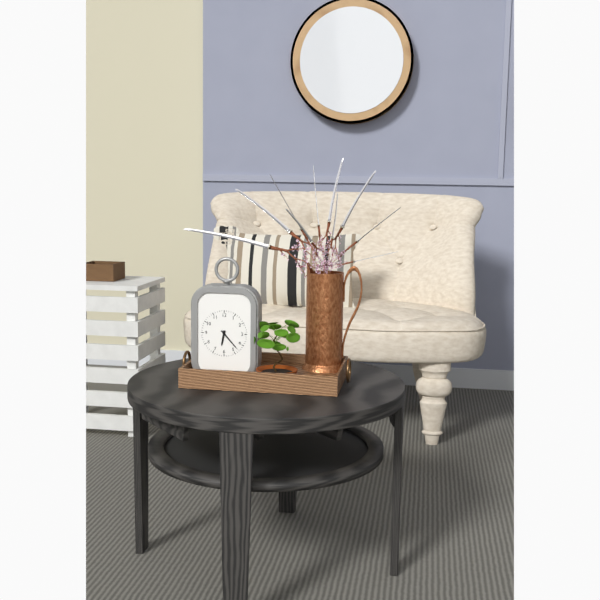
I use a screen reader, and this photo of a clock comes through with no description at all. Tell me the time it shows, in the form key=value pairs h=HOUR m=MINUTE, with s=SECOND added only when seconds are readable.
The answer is h=6 m=23
